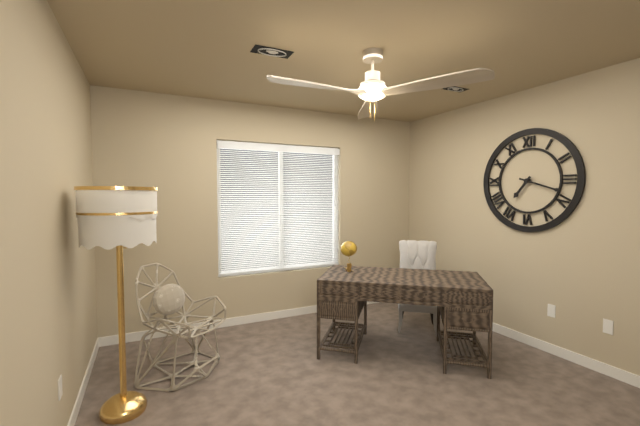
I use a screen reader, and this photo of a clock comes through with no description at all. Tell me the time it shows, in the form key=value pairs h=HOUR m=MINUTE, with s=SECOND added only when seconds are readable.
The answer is h=7 m=18
